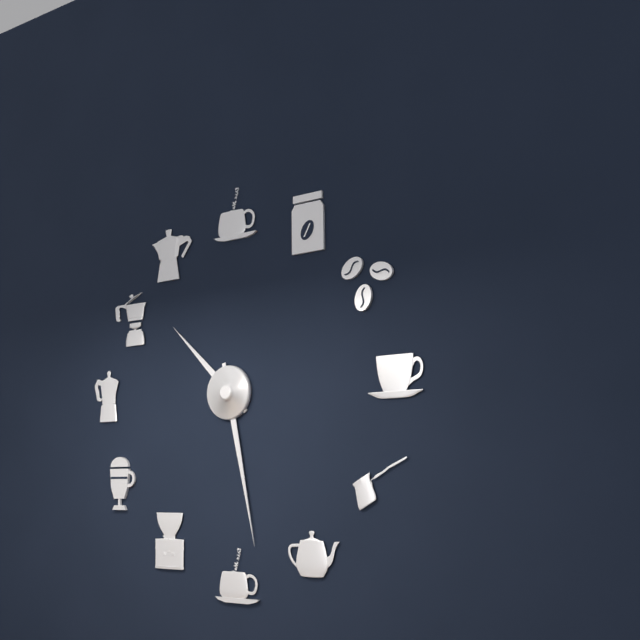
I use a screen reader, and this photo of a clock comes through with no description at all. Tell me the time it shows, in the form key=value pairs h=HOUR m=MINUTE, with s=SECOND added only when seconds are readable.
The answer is h=10 m=28
